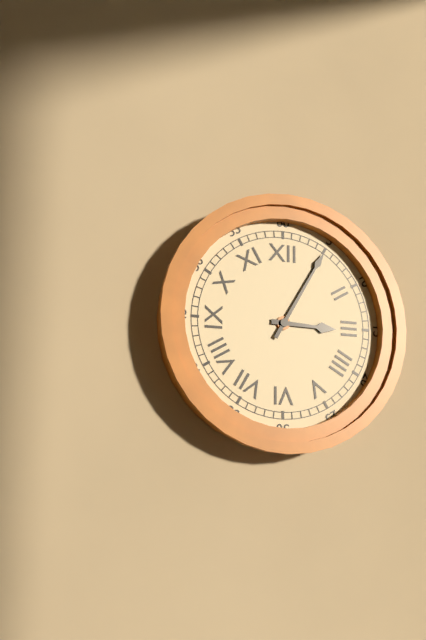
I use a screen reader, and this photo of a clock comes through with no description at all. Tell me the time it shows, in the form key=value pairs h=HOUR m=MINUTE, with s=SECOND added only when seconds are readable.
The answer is h=3 m=5
